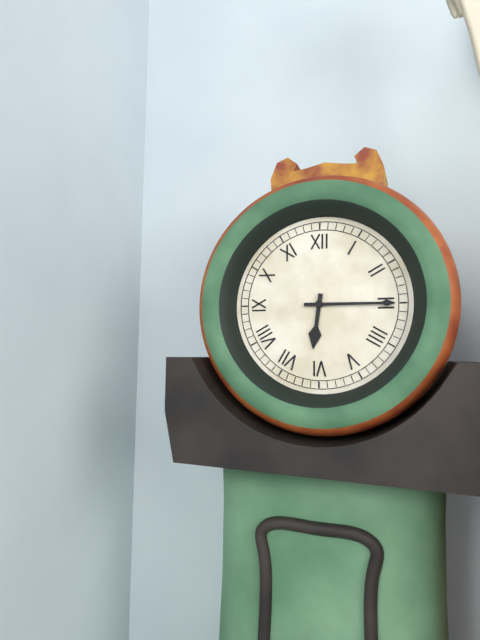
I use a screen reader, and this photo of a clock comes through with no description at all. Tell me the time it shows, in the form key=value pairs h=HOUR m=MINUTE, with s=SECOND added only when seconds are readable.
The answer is h=6 m=15
